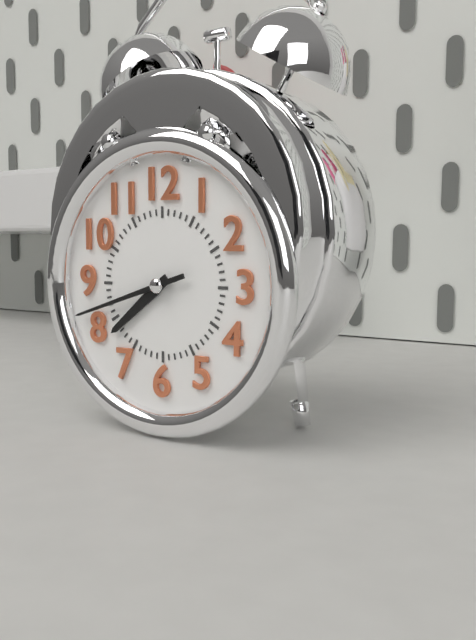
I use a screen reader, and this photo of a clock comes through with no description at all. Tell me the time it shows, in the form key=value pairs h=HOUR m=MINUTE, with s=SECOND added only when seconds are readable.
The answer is h=7 m=42
